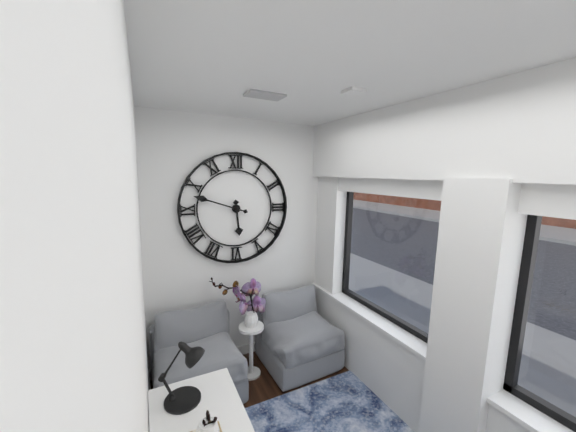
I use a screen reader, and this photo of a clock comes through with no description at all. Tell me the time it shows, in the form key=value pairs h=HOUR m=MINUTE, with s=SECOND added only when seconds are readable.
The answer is h=5 m=48
